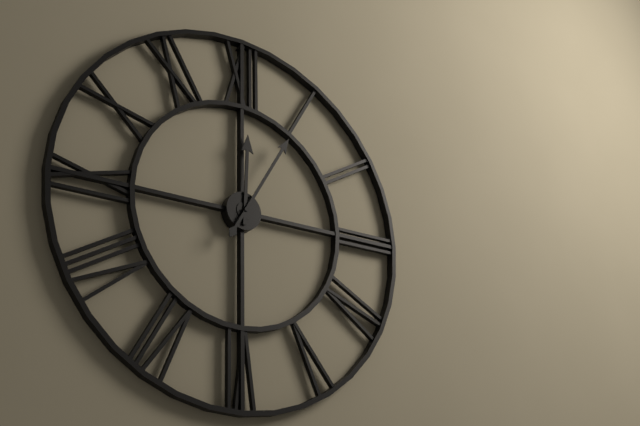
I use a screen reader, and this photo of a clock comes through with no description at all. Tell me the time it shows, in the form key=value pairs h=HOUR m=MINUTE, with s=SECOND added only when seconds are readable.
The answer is h=12 m=5
